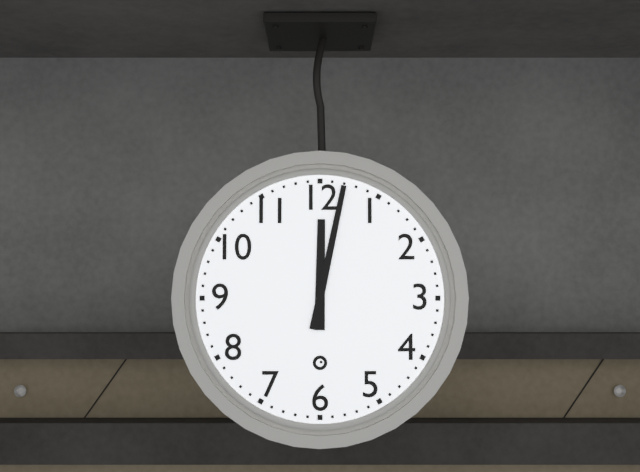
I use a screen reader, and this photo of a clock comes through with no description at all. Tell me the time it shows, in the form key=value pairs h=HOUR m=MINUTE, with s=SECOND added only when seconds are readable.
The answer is h=12 m=2
